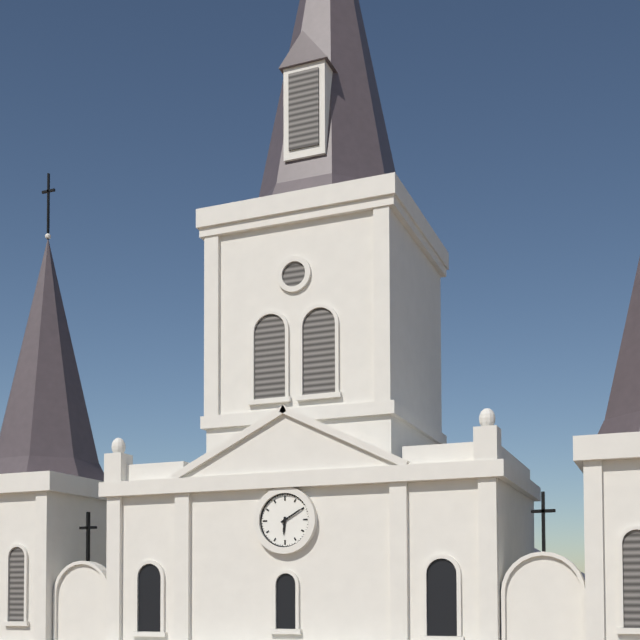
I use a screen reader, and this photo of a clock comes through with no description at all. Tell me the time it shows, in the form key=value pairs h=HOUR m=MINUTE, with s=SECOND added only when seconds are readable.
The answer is h=6 m=10
